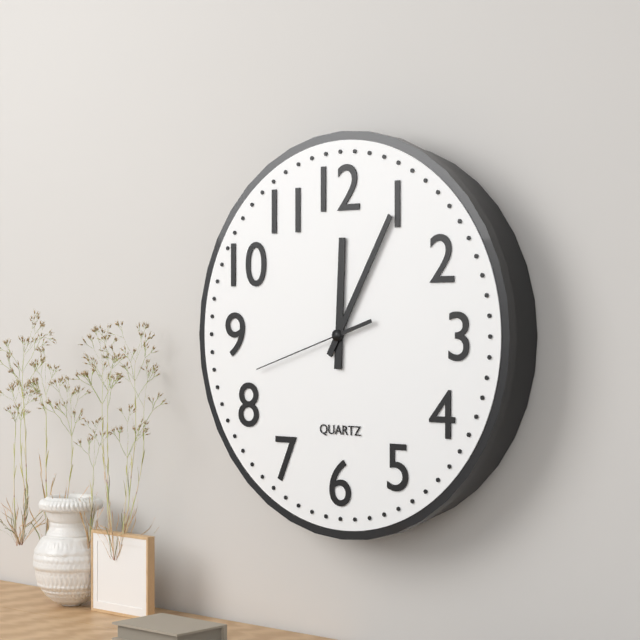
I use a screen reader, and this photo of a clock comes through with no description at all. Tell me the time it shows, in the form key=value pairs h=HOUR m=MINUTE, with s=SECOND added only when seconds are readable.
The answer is h=12 m=5 s=42
